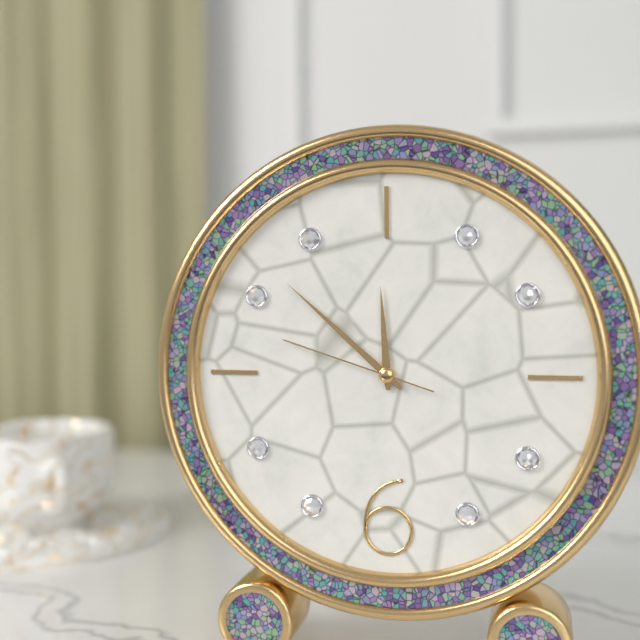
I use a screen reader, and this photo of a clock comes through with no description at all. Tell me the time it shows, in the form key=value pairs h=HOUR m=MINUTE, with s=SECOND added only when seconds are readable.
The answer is h=11 m=52 s=48
